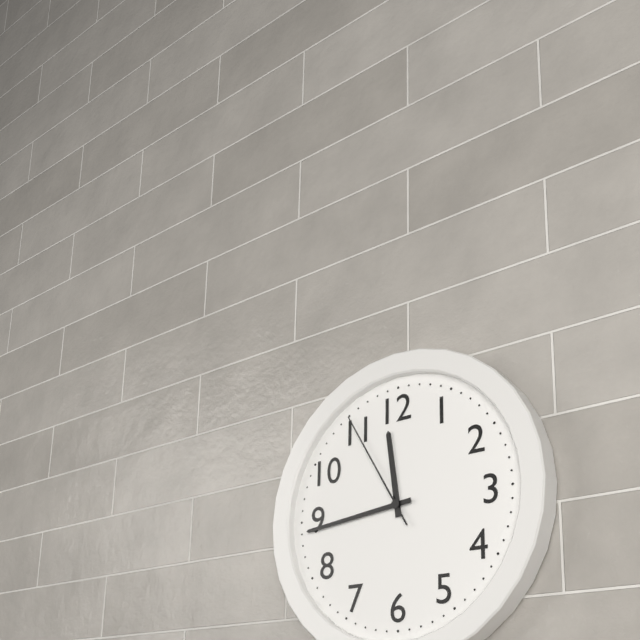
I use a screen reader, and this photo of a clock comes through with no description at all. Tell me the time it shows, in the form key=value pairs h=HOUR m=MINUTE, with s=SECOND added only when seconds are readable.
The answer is h=11 m=44 s=55
